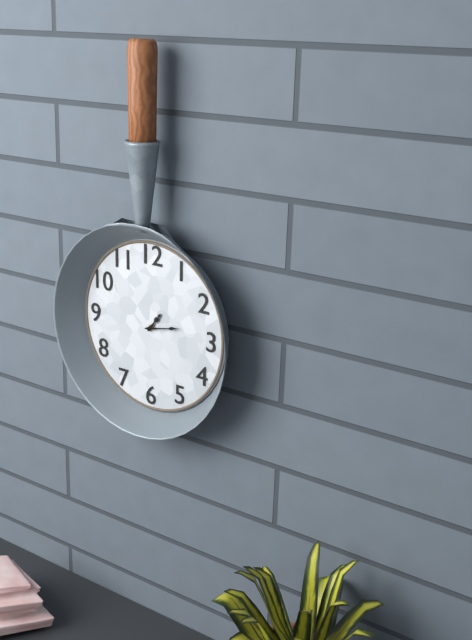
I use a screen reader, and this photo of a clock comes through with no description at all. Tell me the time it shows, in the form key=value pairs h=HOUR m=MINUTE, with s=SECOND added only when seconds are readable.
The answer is h=1 m=13
